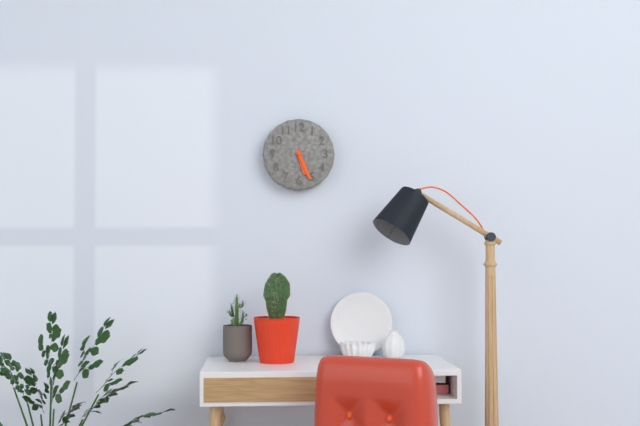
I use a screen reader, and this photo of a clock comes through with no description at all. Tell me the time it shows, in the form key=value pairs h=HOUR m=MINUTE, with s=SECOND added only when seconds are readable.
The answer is h=5 m=26
